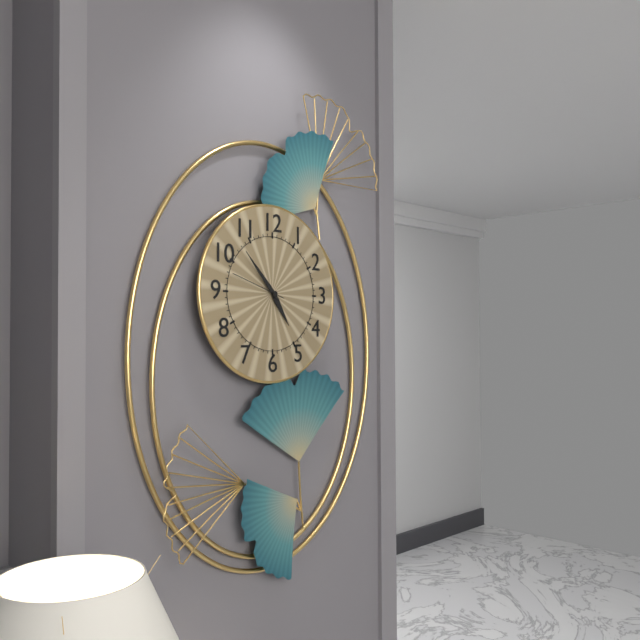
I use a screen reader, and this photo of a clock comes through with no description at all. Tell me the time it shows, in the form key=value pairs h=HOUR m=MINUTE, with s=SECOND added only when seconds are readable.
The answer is h=4 m=53 s=48
